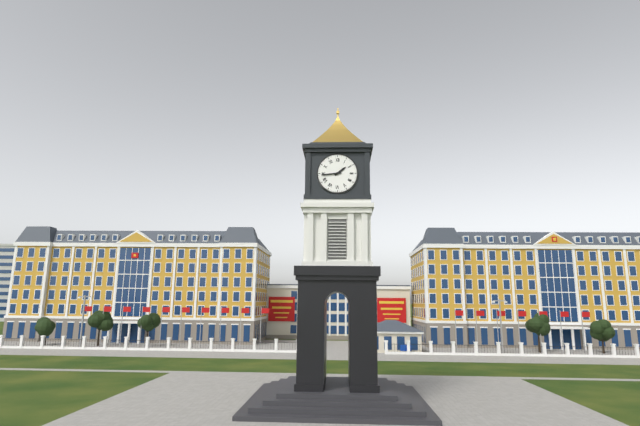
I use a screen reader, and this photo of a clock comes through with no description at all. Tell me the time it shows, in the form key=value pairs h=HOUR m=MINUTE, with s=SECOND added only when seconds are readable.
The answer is h=1 m=44
